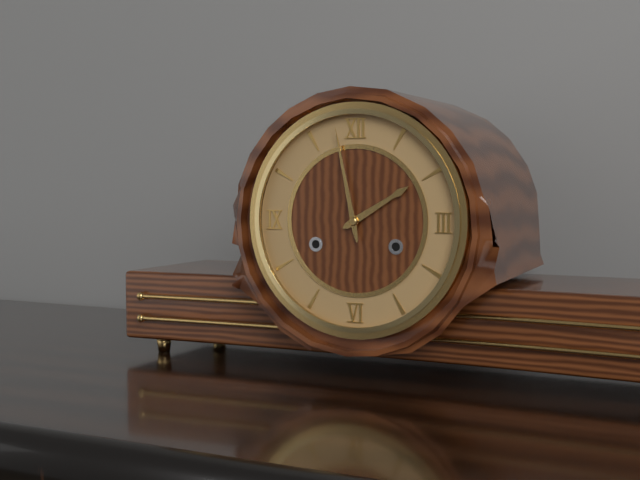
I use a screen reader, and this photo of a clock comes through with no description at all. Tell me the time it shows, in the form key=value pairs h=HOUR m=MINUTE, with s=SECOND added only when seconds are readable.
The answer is h=1 m=58
